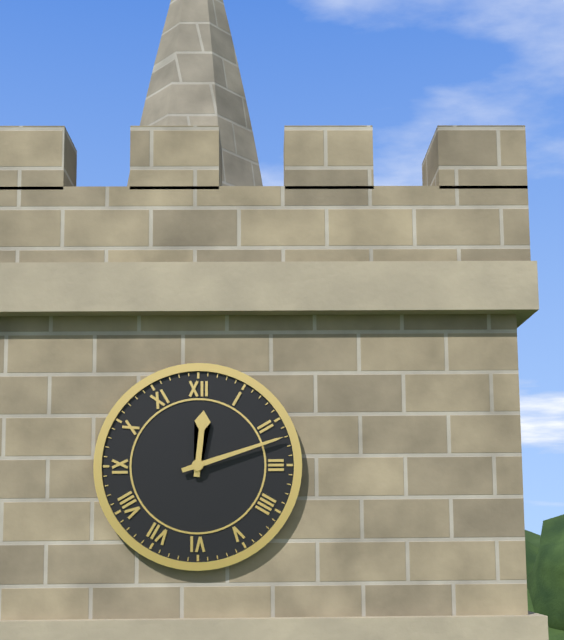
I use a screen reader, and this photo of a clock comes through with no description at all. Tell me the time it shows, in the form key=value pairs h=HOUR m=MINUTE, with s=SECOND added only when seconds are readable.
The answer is h=12 m=12
